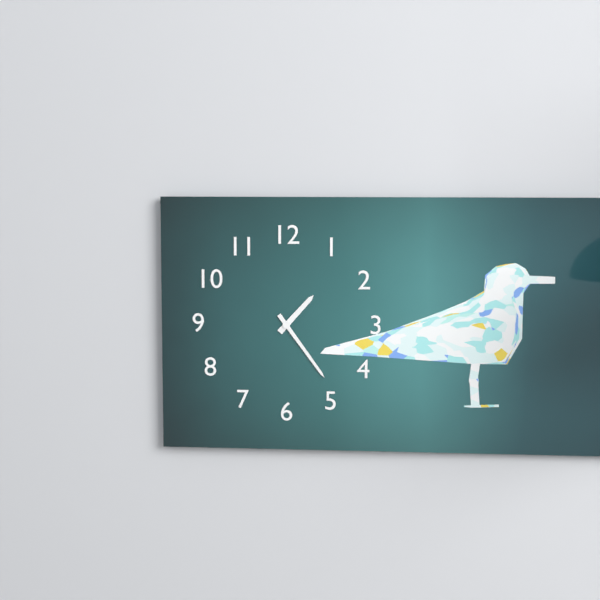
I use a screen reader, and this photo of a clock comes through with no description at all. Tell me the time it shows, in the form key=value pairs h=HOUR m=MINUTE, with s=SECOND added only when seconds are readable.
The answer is h=1 m=24
